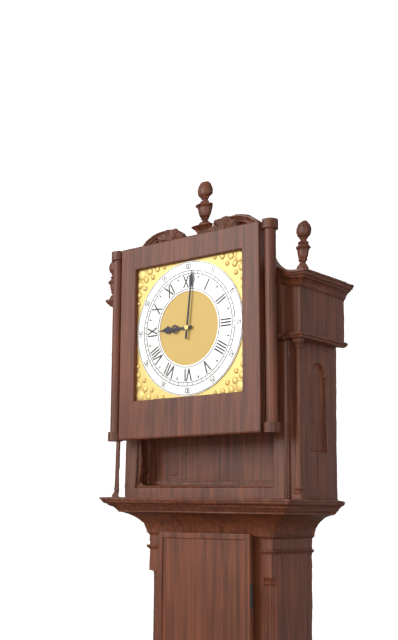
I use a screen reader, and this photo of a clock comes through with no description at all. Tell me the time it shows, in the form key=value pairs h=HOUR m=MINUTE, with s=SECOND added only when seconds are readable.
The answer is h=9 m=1
